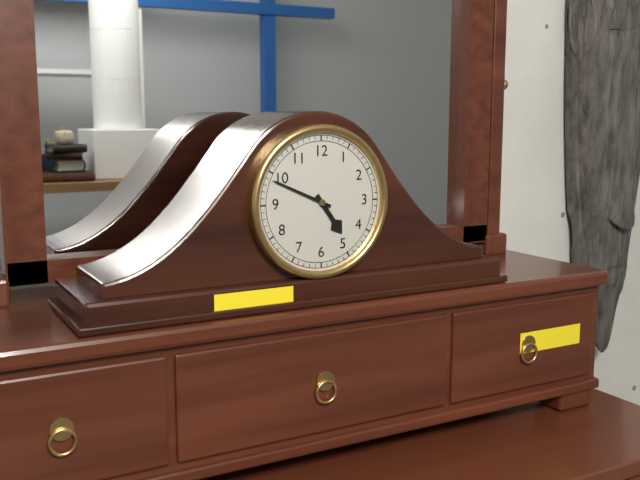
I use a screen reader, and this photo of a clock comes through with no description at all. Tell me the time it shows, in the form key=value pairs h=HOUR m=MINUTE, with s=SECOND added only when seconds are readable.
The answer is h=4 m=49
